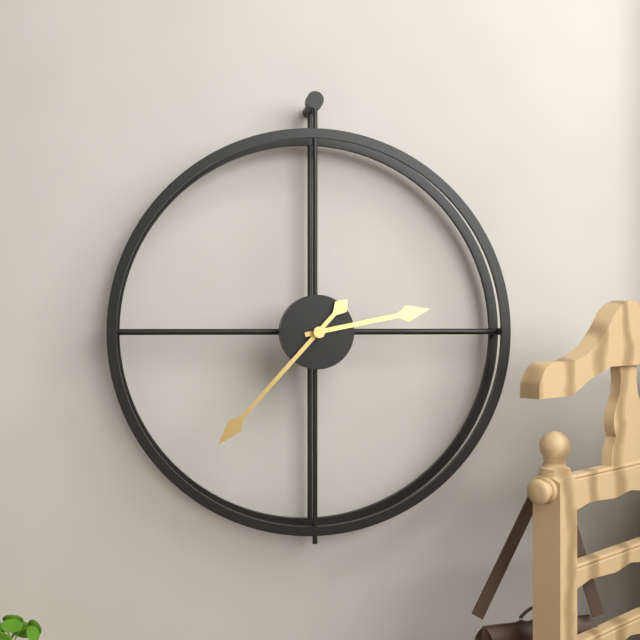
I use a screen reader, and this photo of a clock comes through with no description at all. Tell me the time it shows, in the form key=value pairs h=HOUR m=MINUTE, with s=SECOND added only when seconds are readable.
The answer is h=2 m=37
